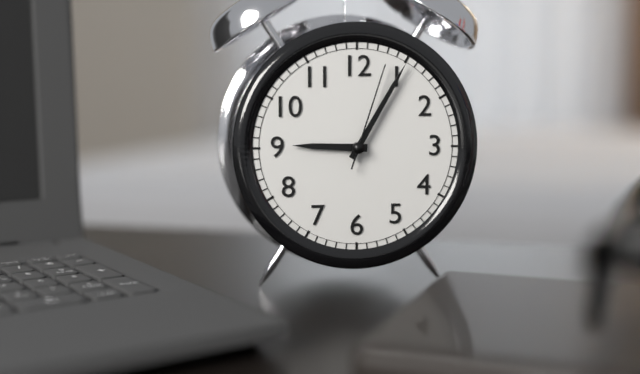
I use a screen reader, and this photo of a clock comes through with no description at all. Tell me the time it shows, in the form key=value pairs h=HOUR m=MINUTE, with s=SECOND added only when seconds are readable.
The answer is h=9 m=5 s=3
